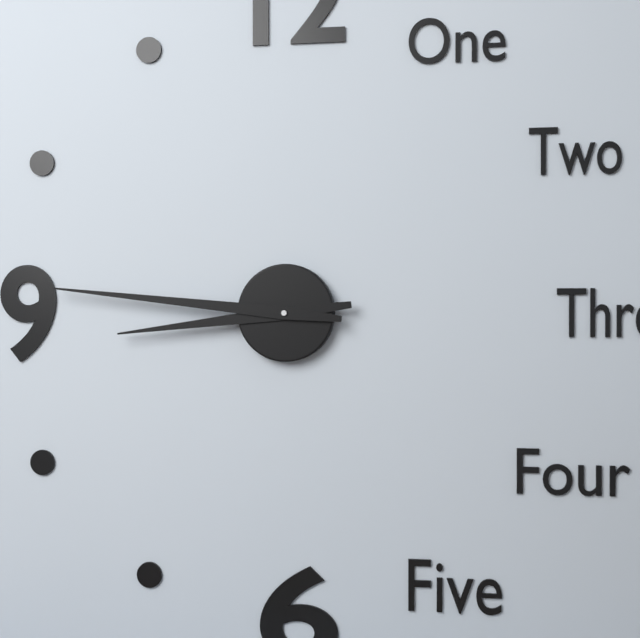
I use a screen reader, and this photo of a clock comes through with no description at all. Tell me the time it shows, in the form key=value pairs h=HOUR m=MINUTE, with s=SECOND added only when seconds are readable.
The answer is h=8 m=46
